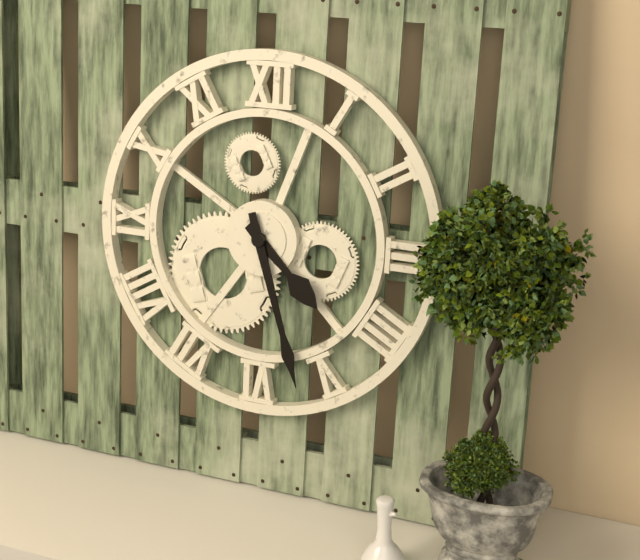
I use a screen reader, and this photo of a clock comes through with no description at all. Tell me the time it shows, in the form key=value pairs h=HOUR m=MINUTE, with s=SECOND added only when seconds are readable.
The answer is h=4 m=27
